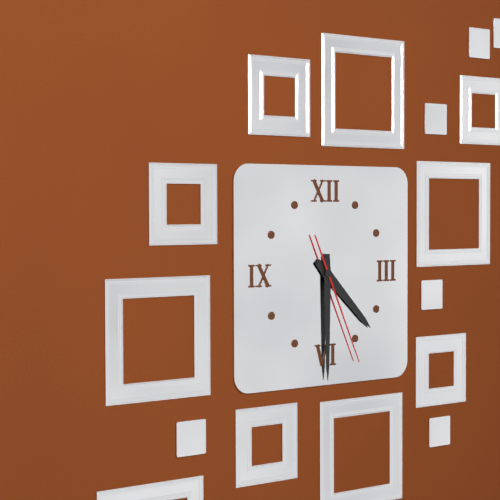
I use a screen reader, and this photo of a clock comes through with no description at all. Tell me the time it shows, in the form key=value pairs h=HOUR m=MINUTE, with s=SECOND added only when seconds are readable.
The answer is h=4 m=30 s=26
